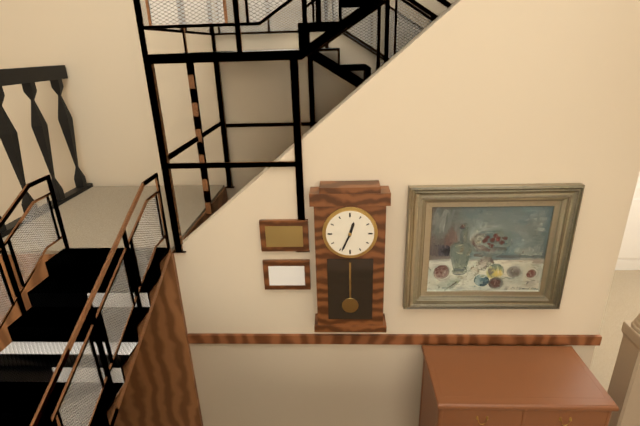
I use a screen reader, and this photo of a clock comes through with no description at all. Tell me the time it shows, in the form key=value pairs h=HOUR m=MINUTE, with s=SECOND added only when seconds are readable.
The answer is h=12 m=34
